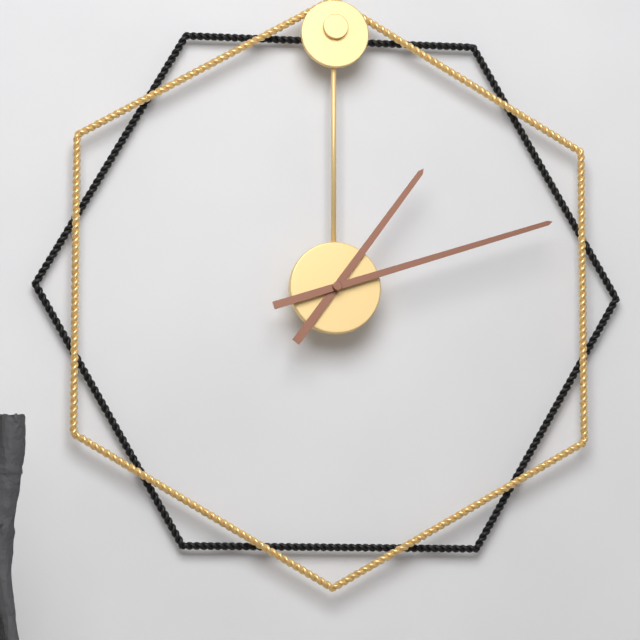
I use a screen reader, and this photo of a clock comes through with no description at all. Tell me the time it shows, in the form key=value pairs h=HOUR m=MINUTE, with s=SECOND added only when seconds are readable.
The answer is h=1 m=12
